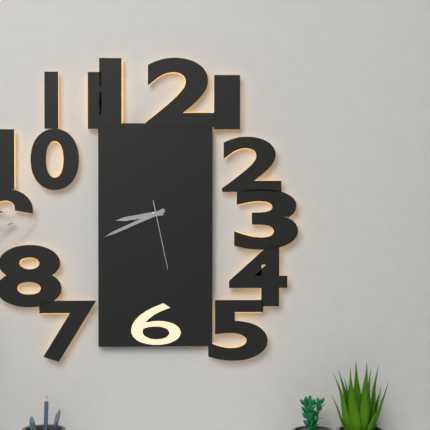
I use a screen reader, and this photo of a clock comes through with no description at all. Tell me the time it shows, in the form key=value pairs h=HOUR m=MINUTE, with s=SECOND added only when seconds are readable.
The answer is h=8 m=41 s=28
